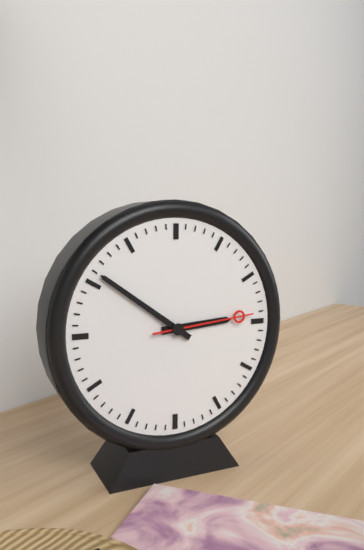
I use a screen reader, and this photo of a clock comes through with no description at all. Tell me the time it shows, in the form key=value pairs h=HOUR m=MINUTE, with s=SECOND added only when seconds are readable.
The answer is h=2 m=51 s=14
